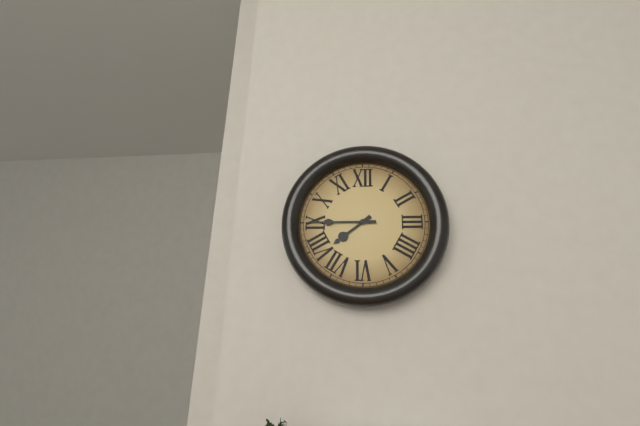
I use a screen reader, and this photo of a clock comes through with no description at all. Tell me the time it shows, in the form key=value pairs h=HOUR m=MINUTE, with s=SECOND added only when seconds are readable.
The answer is h=7 m=45
